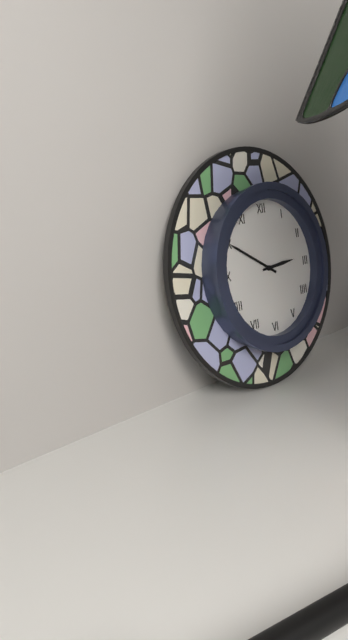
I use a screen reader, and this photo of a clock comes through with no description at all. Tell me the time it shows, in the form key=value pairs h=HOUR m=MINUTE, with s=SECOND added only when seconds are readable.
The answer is h=2 m=50
